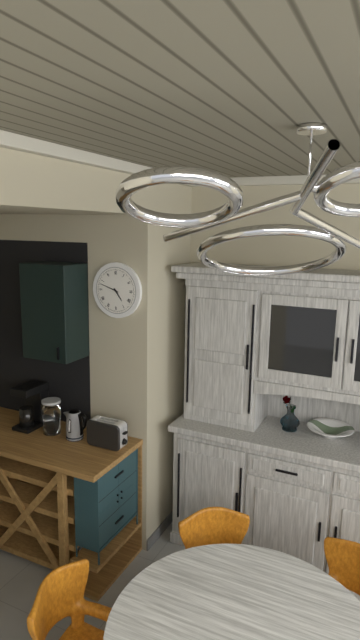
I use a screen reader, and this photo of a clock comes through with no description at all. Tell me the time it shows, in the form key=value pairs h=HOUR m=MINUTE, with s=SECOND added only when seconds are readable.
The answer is h=4 m=48
